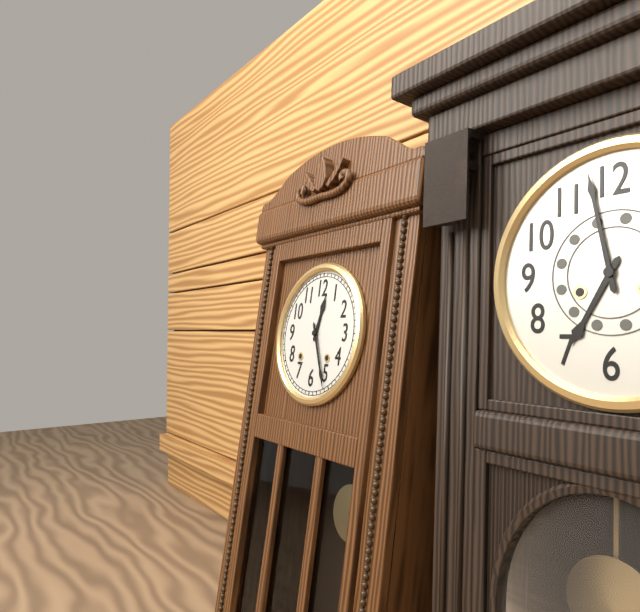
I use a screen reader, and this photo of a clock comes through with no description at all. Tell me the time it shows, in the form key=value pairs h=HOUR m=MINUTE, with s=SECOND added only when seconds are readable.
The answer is h=12 m=26
